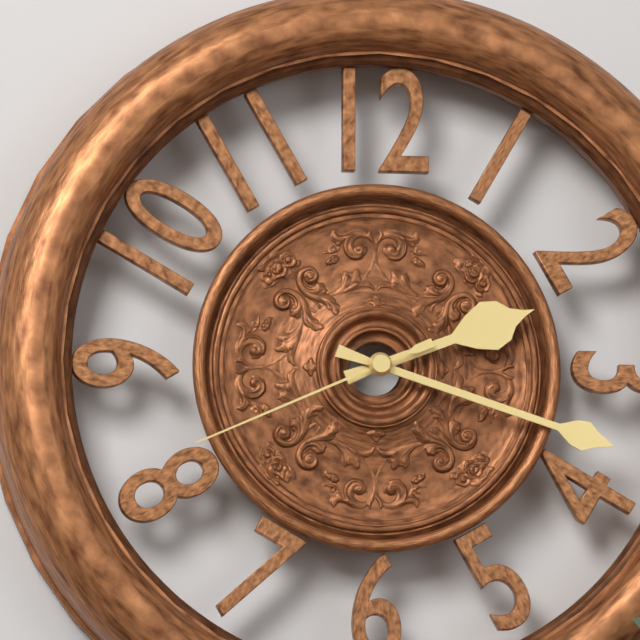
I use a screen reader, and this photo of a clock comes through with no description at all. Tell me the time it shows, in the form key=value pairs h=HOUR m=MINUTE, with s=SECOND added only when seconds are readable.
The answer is h=2 m=18 s=41
